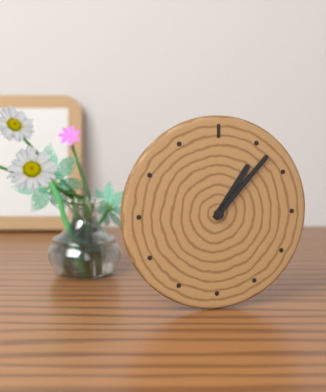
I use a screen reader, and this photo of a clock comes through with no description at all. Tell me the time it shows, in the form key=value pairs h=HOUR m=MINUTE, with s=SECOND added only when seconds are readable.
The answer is h=1 m=7
